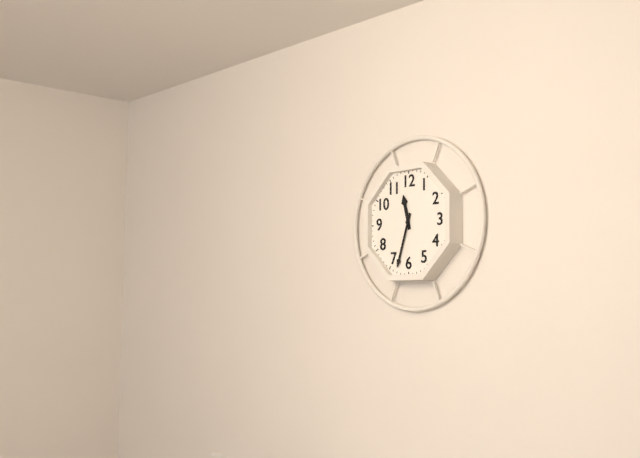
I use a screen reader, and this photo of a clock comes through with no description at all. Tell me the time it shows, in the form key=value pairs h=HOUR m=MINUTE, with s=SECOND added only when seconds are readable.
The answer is h=11 m=33
